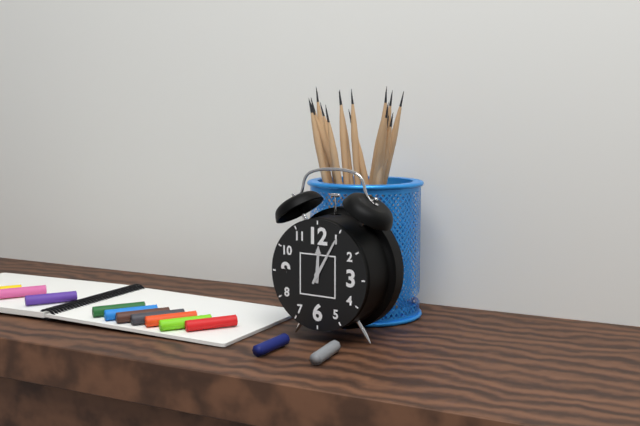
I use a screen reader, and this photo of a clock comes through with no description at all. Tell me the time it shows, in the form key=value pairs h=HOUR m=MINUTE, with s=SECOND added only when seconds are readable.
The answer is h=12 m=5
